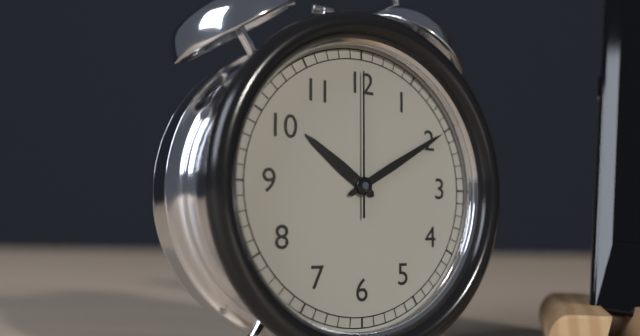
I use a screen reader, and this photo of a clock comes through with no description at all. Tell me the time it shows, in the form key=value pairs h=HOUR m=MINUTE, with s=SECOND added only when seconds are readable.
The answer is h=10 m=10 s=0
